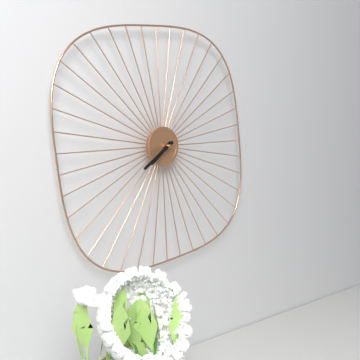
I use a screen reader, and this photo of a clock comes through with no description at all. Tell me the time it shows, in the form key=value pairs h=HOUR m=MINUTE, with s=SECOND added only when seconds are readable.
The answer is h=7 m=39
